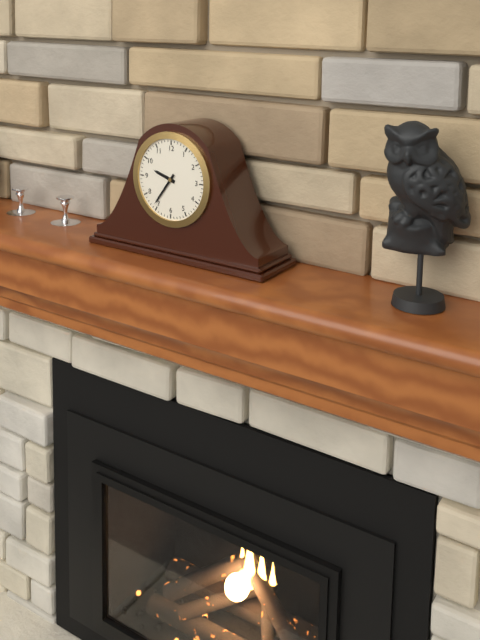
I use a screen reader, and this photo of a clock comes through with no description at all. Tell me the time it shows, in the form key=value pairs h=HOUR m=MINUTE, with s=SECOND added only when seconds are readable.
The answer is h=9 m=36
